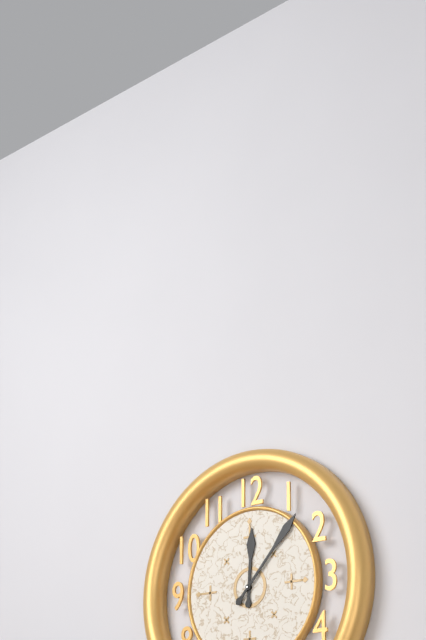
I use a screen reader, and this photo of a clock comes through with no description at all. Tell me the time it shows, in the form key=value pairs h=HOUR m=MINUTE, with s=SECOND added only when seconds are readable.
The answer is h=12 m=7
